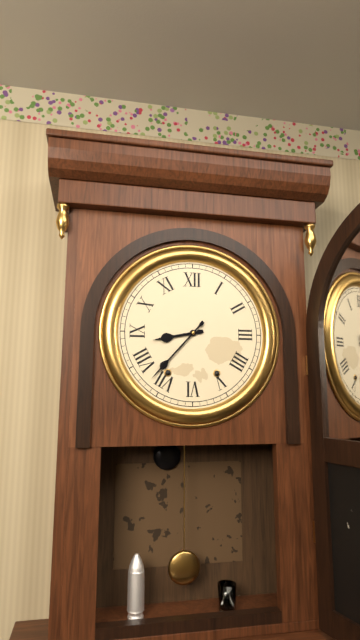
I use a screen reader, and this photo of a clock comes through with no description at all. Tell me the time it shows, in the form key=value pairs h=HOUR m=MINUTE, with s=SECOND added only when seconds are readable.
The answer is h=8 m=37
